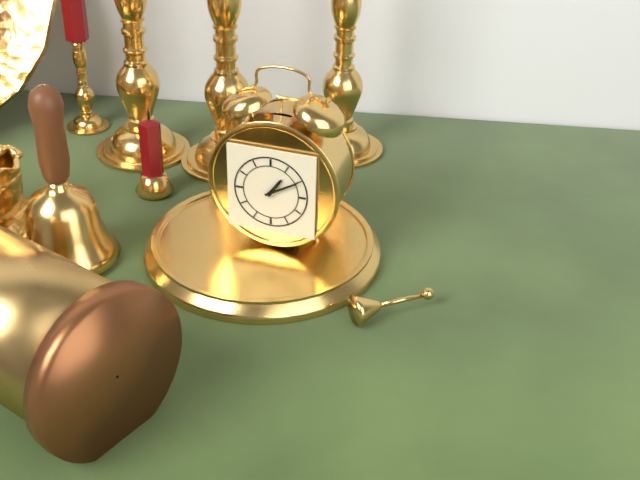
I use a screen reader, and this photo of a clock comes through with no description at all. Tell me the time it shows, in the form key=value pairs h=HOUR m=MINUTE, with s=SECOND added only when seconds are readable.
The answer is h=1 m=10
